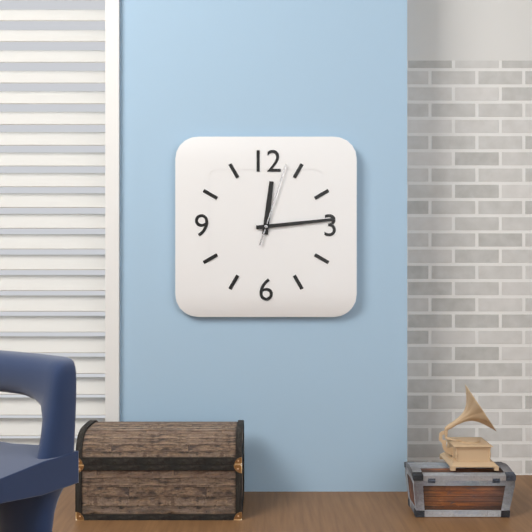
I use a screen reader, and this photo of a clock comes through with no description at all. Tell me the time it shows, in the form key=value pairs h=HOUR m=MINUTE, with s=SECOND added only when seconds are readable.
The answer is h=12 m=14 s=3
